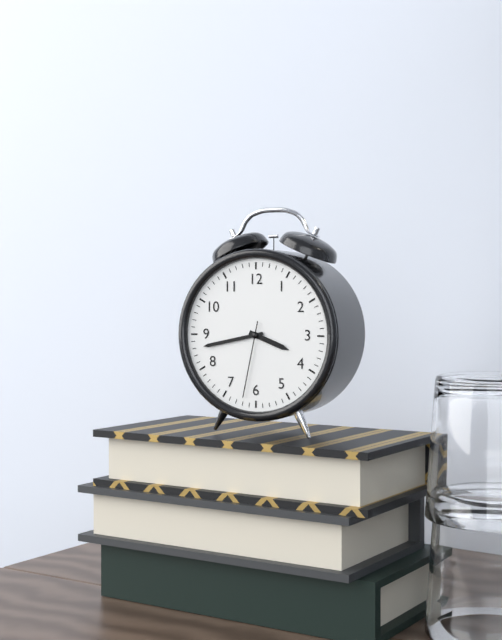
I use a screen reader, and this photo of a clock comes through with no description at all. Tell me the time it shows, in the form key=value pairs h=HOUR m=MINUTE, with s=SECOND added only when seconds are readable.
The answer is h=3 m=43 s=32
